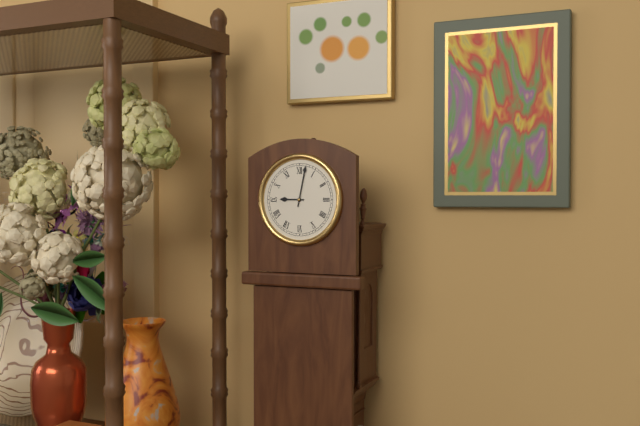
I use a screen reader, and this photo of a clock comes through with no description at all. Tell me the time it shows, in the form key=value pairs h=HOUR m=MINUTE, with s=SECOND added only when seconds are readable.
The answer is h=9 m=2
